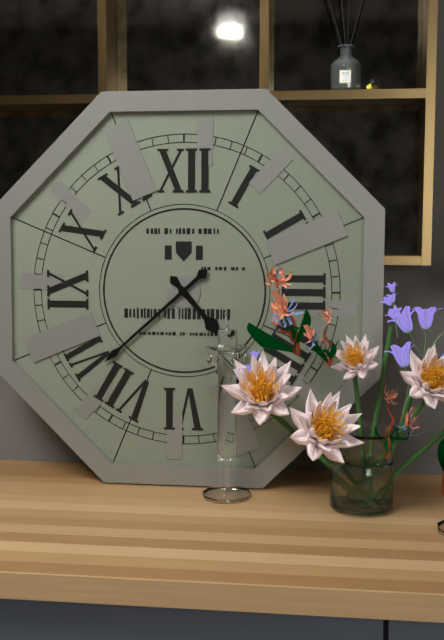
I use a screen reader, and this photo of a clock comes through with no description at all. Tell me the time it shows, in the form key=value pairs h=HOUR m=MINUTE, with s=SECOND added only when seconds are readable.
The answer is h=4 m=38
